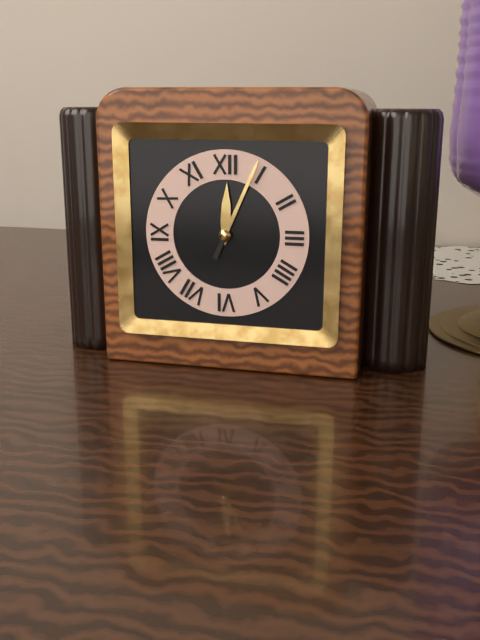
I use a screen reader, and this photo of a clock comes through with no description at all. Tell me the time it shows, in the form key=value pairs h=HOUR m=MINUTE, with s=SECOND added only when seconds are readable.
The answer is h=12 m=4
